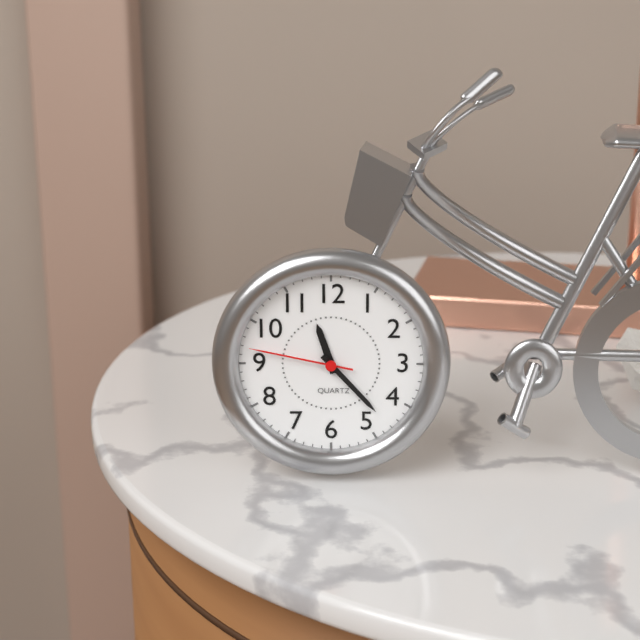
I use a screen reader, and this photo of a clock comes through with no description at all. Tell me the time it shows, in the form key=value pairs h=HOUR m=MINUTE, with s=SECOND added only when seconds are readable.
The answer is h=11 m=23 s=47
